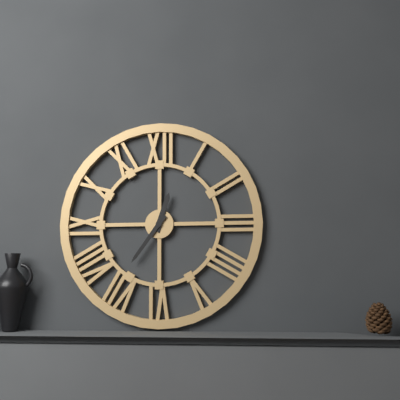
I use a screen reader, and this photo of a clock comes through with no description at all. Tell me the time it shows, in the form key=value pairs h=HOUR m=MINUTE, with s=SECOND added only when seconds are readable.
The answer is h=12 m=36
